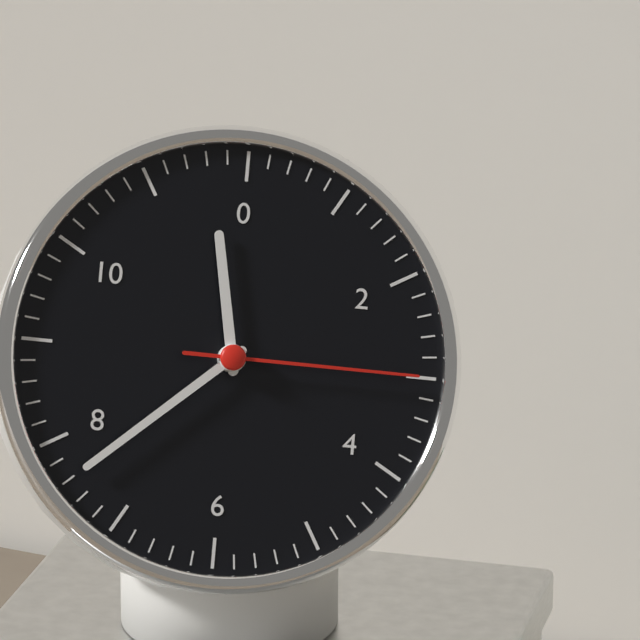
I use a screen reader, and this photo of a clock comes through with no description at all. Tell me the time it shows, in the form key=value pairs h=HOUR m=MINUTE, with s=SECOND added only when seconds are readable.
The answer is h=11 m=38 s=15
